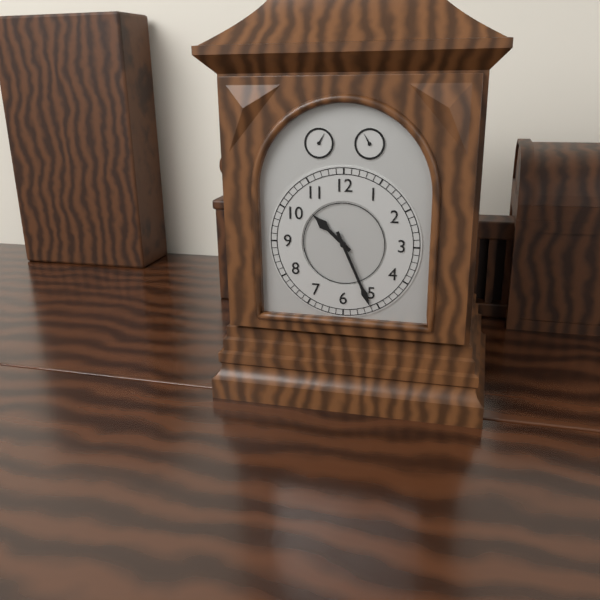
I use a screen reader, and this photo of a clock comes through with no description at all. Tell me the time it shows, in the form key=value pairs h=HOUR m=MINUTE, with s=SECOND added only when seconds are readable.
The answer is h=10 m=26
